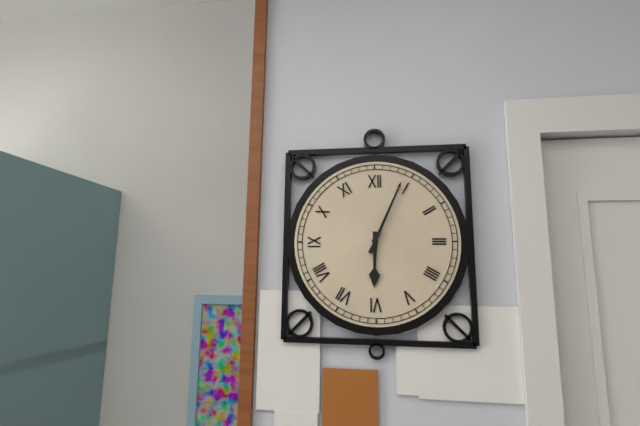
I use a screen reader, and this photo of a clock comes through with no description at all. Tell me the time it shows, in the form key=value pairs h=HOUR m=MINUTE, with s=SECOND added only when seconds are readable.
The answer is h=6 m=4
